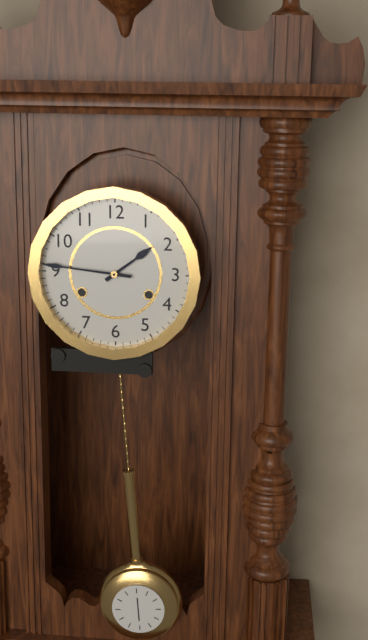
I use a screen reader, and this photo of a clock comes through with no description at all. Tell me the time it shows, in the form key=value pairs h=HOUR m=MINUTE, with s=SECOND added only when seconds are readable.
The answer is h=1 m=46
